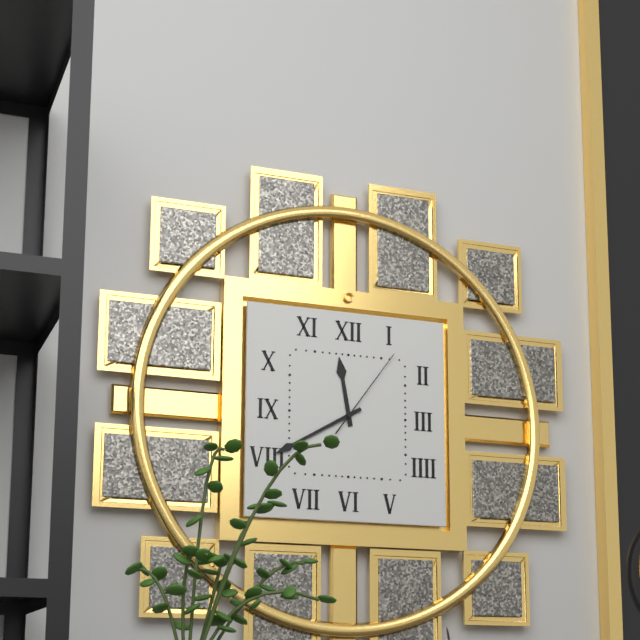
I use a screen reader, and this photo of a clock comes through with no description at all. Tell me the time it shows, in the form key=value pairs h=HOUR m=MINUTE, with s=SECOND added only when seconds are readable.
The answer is h=11 m=40 s=6
